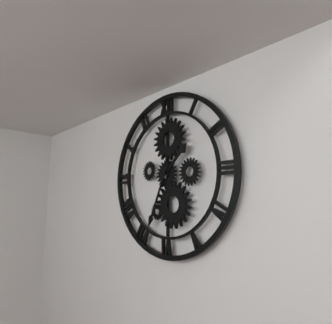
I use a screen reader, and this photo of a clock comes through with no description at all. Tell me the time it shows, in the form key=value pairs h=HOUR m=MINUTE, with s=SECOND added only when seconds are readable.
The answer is h=1 m=34
